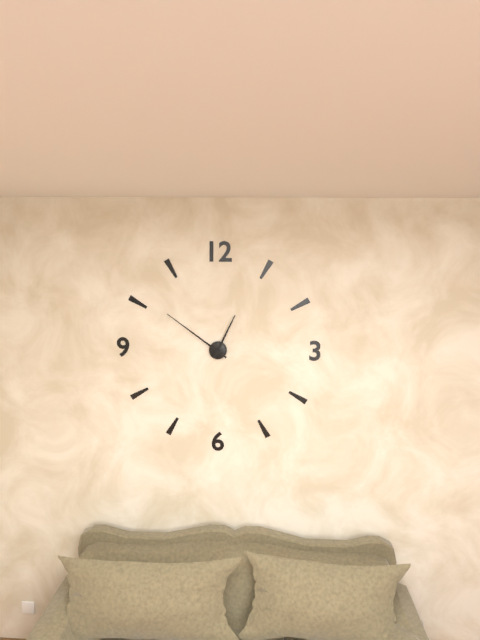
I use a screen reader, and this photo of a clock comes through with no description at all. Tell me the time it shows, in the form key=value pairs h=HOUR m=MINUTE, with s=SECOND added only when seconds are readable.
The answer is h=12 m=51
